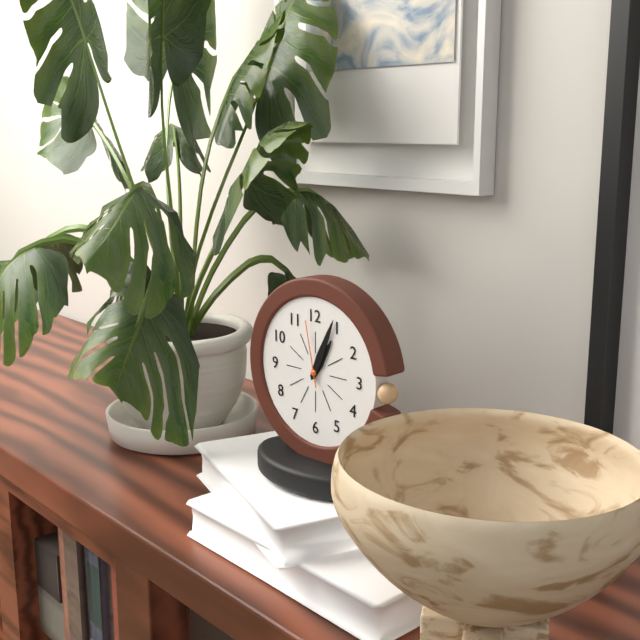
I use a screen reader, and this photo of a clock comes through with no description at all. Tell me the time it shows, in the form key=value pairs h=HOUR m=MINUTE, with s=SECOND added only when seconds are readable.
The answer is h=1 m=4 s=58
